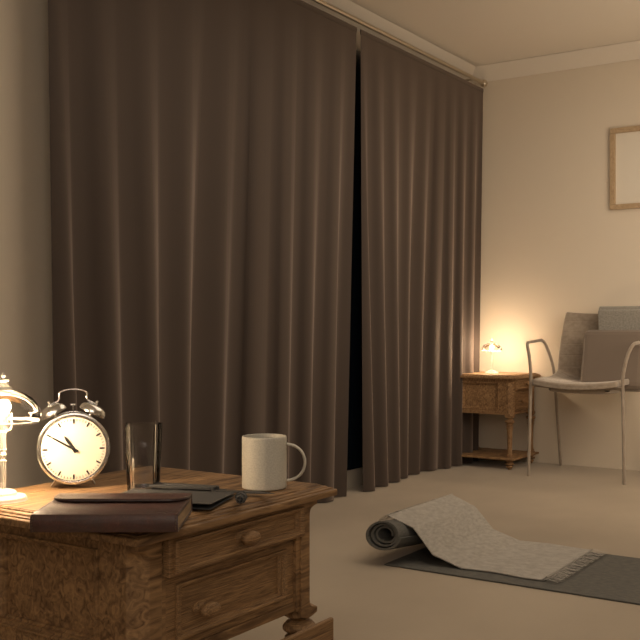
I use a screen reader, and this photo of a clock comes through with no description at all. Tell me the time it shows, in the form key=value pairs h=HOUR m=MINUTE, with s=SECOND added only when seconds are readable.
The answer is h=10 m=50
